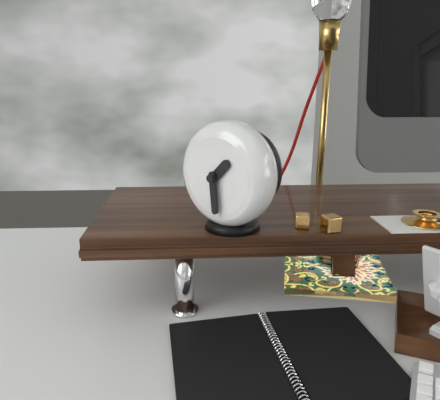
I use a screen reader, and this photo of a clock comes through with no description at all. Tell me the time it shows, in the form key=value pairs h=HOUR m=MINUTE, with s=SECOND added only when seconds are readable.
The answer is h=1 m=29
